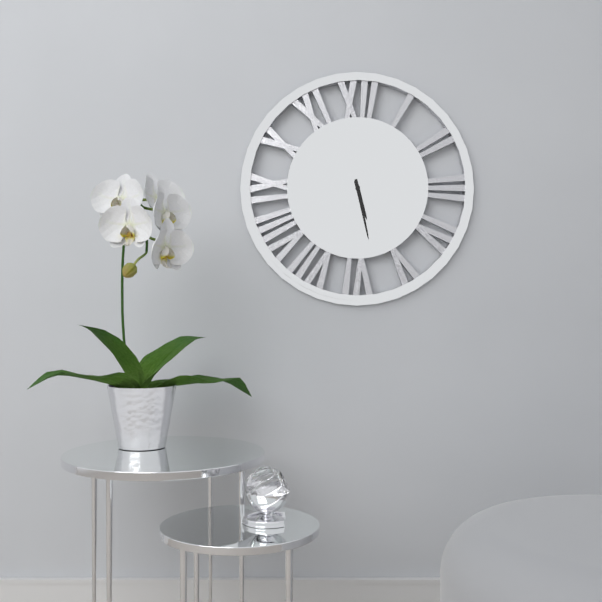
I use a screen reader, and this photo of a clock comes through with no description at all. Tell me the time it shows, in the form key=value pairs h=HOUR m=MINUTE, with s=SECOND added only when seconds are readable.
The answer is h=5 m=28
